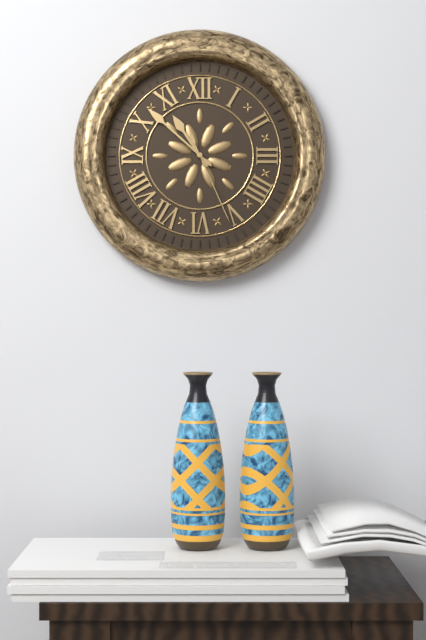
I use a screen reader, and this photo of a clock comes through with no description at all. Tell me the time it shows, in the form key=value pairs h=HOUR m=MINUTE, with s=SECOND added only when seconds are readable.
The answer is h=10 m=52 s=26
